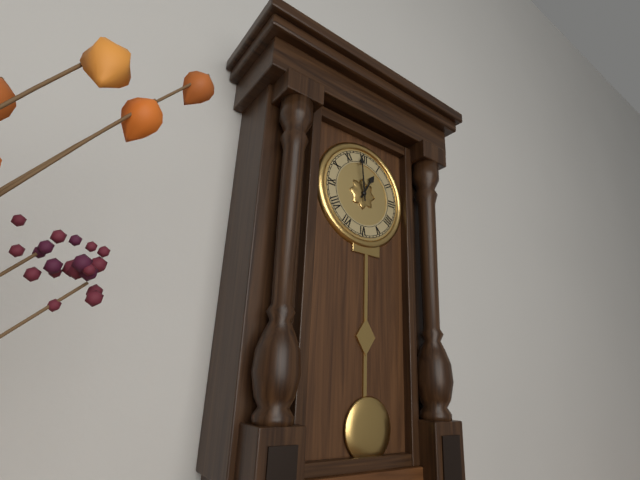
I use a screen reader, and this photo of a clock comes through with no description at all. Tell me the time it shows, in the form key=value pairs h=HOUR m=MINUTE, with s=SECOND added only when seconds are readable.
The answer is h=12 m=59
